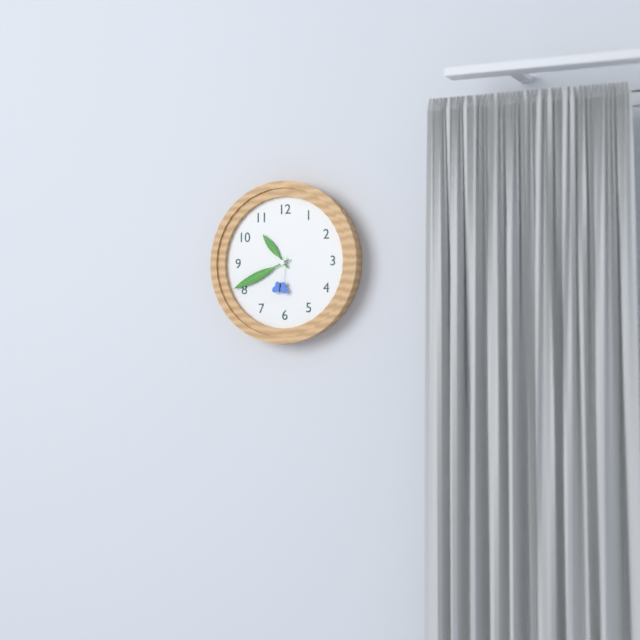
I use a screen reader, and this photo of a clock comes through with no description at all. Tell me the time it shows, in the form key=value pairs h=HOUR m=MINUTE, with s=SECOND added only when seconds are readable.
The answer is h=10 m=41
